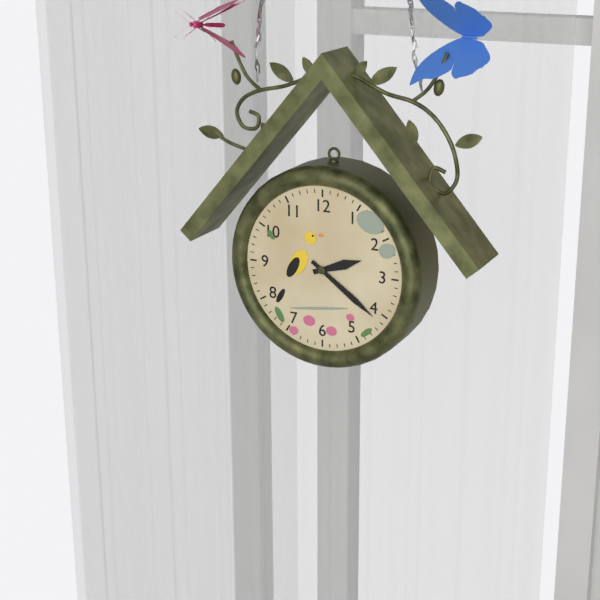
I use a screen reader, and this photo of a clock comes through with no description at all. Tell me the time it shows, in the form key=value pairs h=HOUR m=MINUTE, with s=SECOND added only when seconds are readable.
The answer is h=2 m=21
